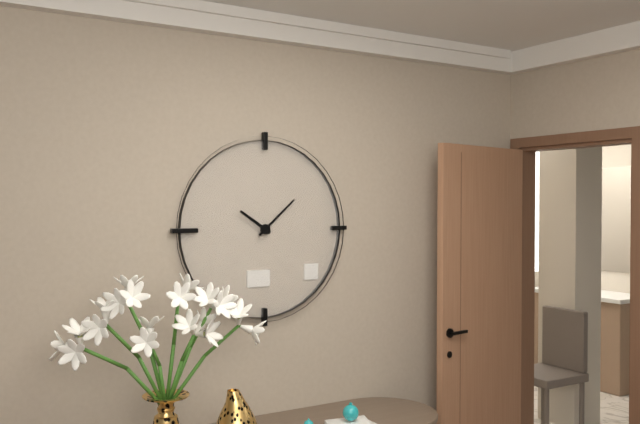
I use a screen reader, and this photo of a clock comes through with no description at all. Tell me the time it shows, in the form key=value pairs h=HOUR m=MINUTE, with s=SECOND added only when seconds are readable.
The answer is h=10 m=8
